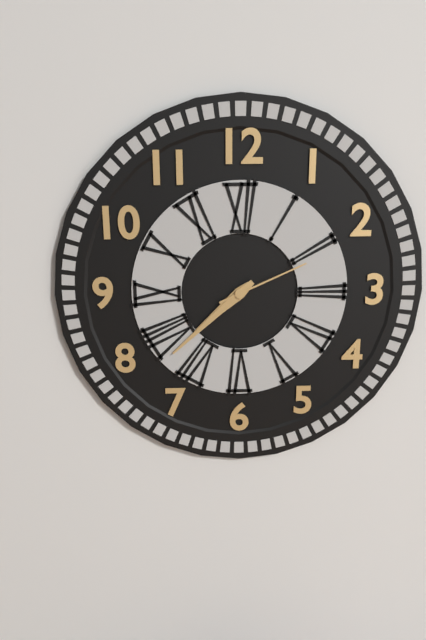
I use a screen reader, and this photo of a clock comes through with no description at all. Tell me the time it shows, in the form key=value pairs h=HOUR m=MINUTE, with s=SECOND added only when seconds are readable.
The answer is h=7 m=38 s=11
